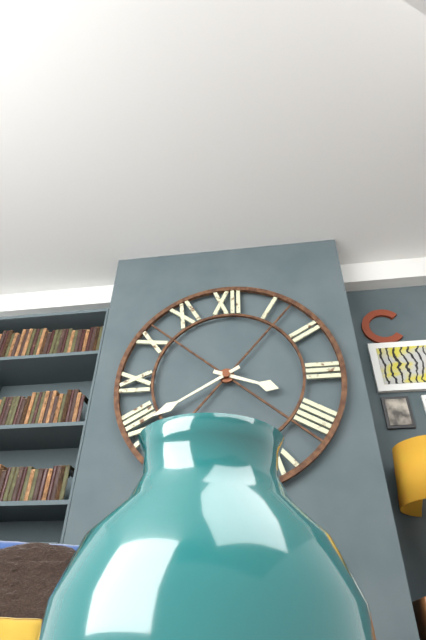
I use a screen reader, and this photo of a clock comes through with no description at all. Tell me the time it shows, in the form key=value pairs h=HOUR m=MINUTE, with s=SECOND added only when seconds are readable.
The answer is h=3 m=40
